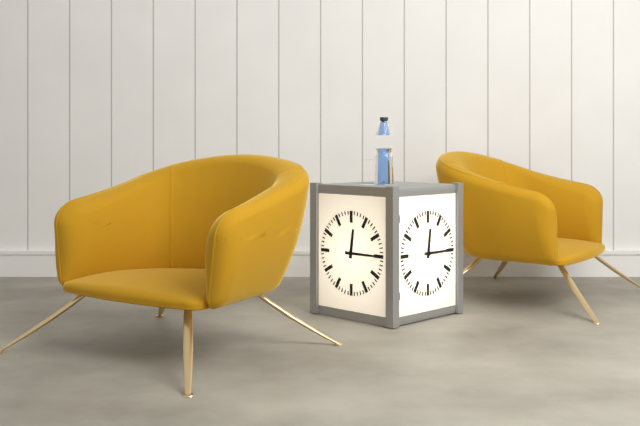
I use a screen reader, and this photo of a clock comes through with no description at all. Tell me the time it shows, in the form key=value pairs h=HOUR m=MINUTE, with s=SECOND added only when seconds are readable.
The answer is h=12 m=15
